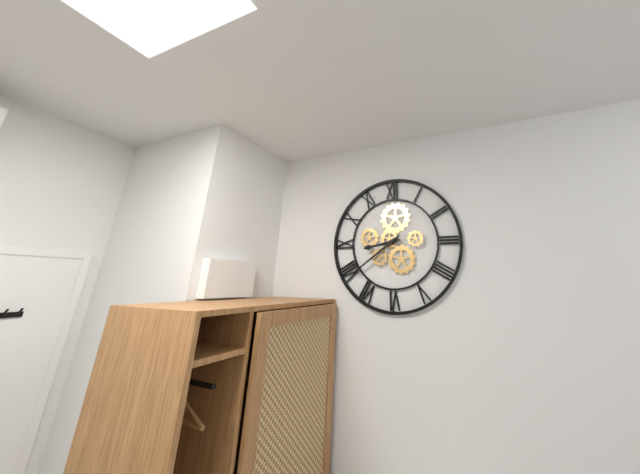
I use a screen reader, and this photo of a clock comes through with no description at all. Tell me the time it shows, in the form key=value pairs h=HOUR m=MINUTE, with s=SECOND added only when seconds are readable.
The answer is h=8 m=39
